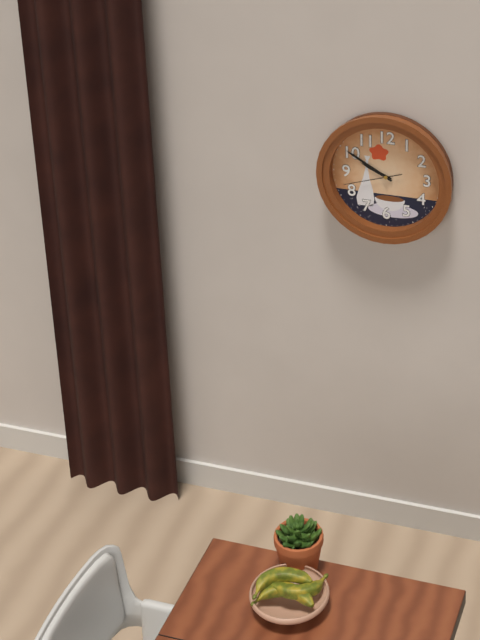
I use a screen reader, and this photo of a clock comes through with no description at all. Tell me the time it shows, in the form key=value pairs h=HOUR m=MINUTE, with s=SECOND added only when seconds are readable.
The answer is h=9 m=50 s=42
